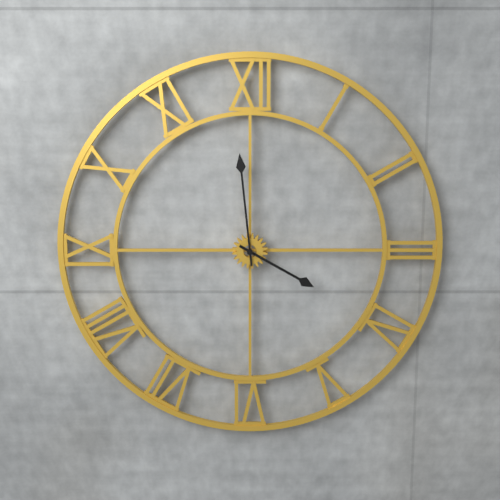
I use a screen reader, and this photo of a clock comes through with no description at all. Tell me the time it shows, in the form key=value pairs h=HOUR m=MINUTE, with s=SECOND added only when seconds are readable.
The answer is h=3 m=59
